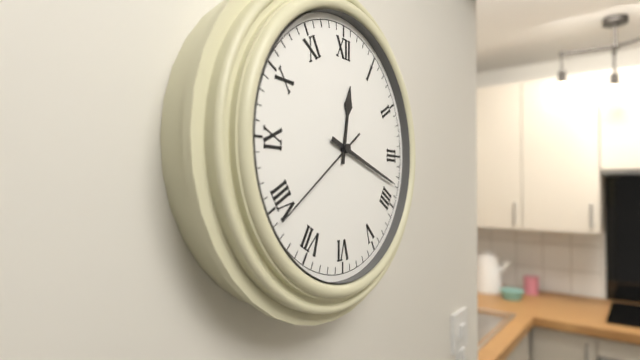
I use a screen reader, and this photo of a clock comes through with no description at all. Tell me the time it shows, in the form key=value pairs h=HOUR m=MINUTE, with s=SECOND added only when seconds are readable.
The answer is h=12 m=18 s=39
